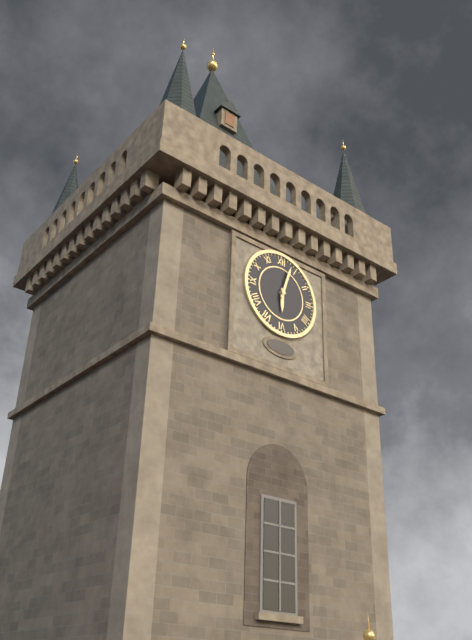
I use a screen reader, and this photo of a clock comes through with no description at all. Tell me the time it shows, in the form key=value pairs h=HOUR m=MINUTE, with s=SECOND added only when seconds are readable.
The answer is h=6 m=3
